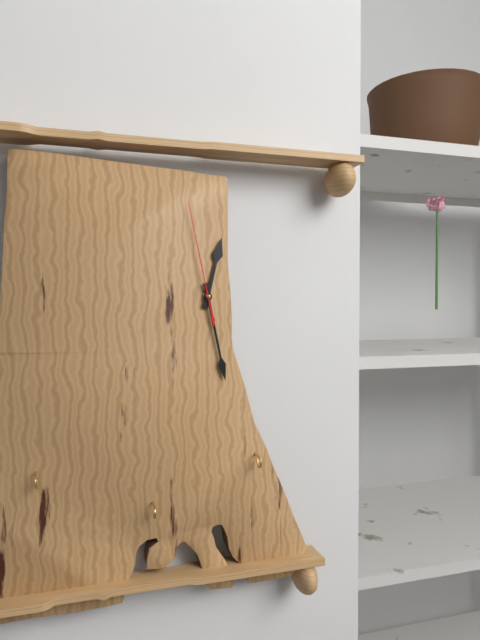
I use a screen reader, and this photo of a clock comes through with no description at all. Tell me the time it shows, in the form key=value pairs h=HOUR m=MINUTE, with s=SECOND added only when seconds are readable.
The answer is h=12 m=28 s=58
